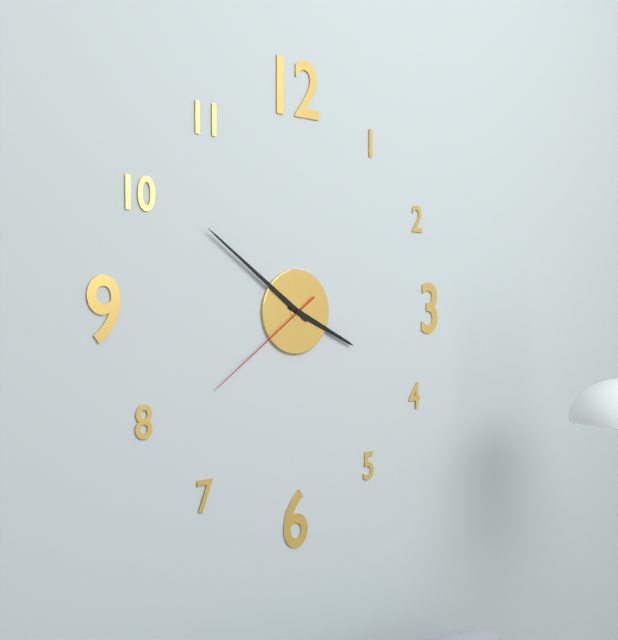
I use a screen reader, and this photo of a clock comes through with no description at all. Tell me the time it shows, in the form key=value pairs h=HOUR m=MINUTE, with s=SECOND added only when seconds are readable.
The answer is h=3 m=51 s=39
